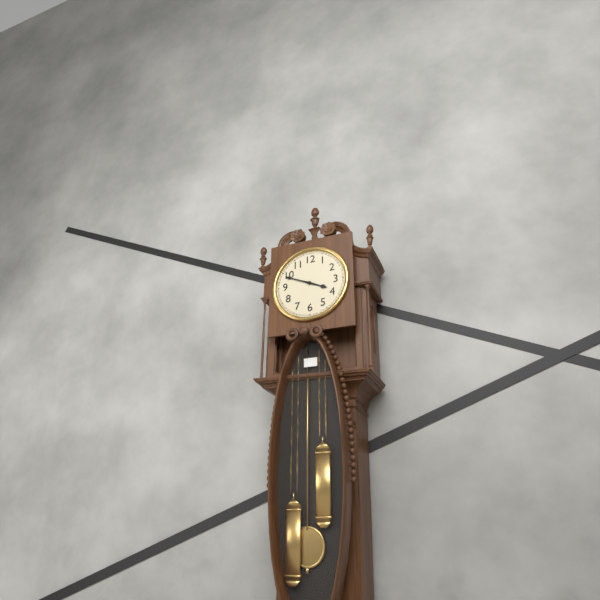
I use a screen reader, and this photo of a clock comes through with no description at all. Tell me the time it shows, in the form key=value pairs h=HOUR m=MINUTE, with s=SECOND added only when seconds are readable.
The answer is h=3 m=49
